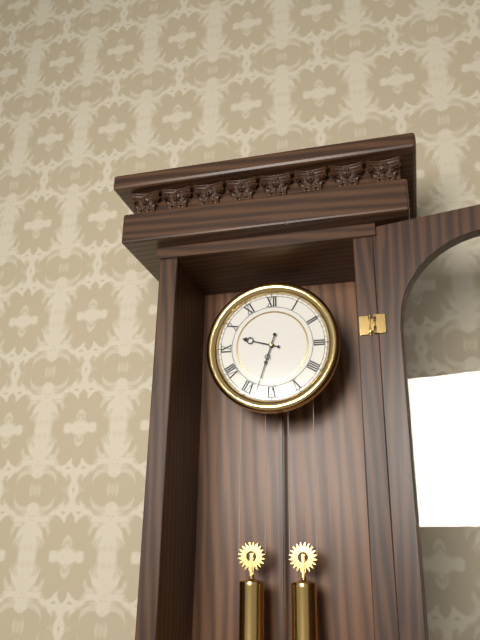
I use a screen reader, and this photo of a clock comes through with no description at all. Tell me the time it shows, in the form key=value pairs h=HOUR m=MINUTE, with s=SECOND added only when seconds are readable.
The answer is h=9 m=33
